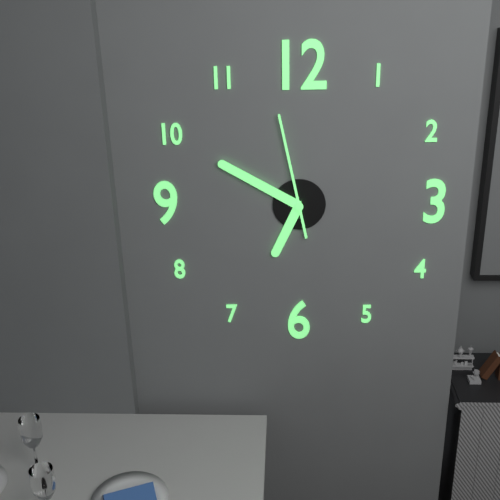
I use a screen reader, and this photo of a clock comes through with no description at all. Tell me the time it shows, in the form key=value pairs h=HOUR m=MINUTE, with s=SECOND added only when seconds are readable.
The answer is h=6 m=50 s=58
